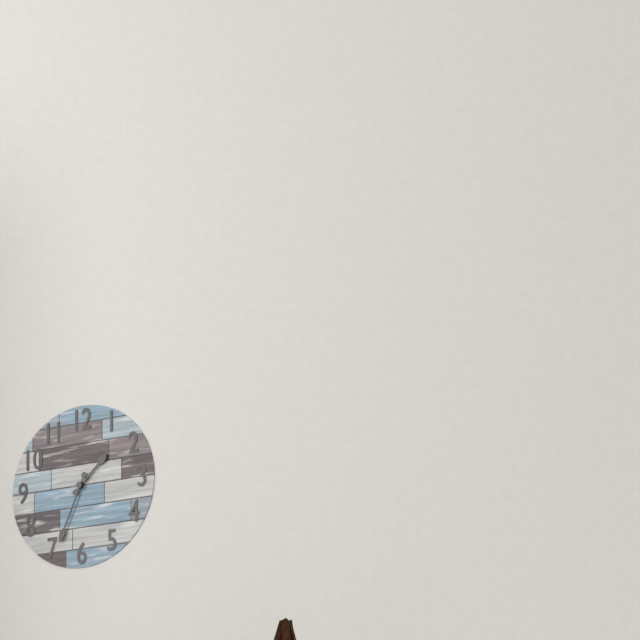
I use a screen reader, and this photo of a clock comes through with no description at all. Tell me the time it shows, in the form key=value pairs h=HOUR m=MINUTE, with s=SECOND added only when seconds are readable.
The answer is h=1 m=34
